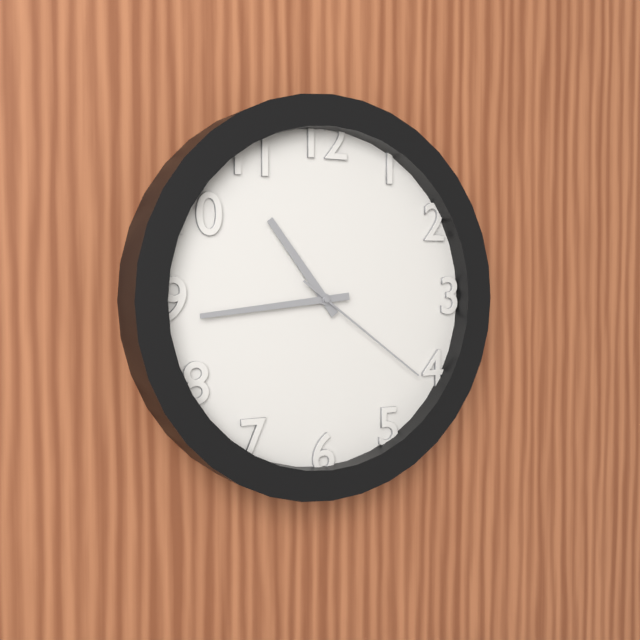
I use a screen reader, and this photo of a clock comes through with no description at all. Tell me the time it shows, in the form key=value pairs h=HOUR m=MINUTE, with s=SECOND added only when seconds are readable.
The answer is h=10 m=44 s=21
